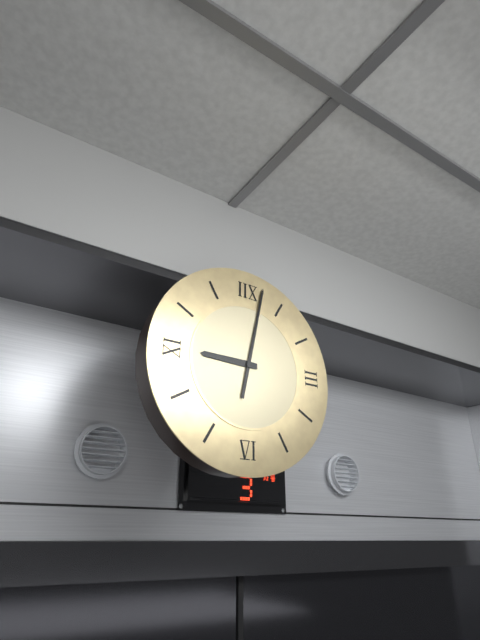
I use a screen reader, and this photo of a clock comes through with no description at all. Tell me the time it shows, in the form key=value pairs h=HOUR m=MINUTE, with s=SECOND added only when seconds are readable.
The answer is h=9 m=2
